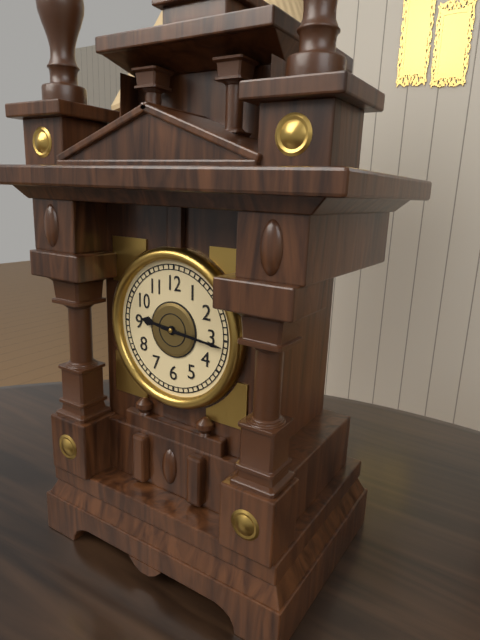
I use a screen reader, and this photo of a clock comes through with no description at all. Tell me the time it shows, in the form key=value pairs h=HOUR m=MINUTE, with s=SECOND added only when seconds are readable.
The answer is h=9 m=16
